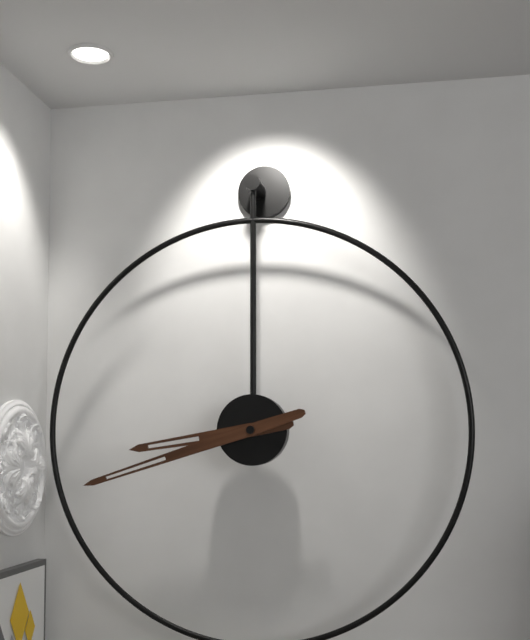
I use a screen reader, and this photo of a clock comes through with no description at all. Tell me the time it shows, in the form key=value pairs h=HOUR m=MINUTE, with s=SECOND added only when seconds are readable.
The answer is h=8 m=42
